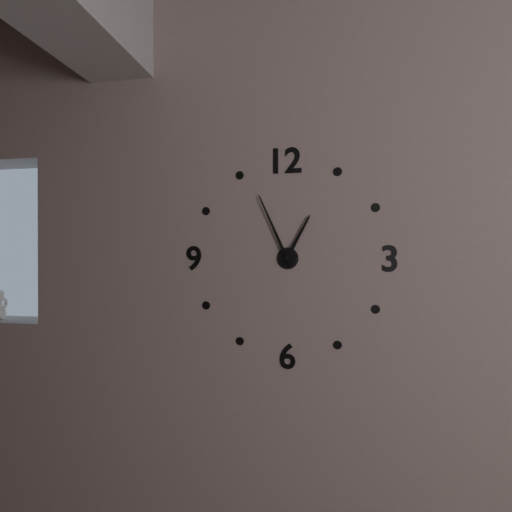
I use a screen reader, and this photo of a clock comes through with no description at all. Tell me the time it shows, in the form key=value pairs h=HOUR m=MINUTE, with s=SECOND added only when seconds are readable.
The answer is h=12 m=56
